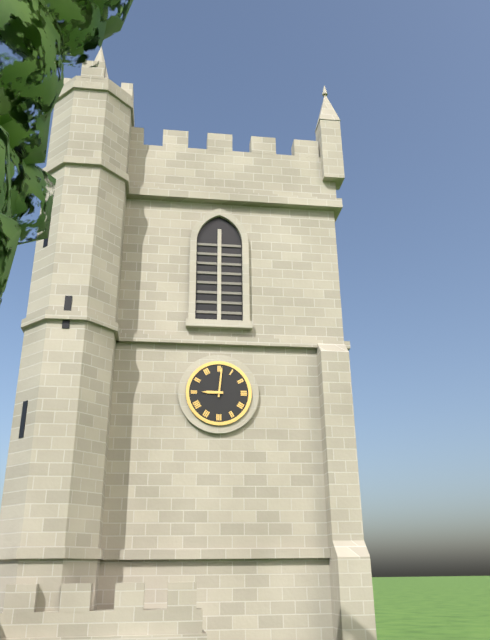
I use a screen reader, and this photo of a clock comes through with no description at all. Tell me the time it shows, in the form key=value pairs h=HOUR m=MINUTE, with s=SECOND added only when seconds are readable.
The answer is h=9 m=1
